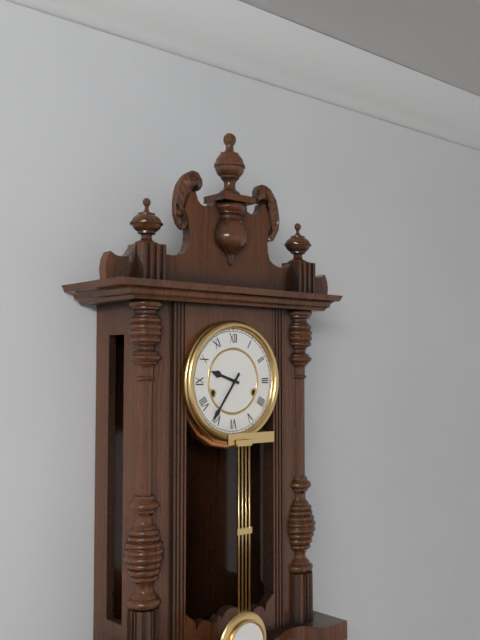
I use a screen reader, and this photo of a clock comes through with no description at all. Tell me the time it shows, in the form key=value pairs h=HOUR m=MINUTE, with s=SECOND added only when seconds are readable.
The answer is h=9 m=36
